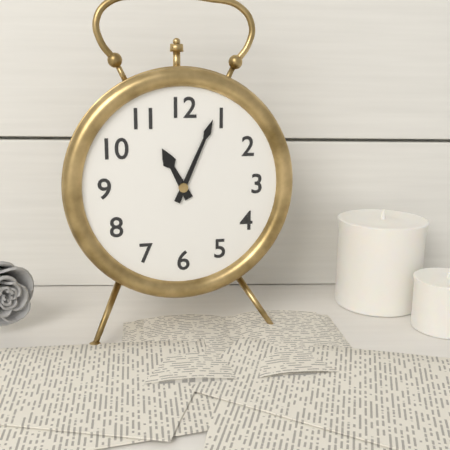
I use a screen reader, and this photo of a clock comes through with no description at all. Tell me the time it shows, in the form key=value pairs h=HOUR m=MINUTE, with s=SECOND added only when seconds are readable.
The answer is h=11 m=4
